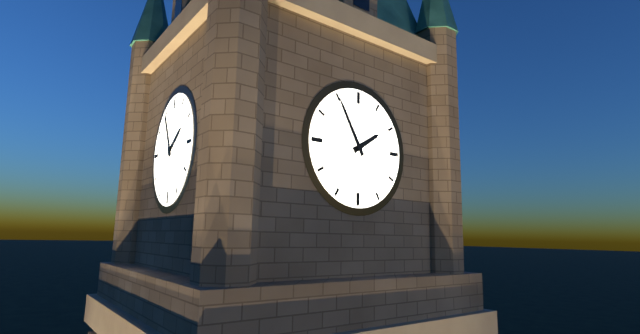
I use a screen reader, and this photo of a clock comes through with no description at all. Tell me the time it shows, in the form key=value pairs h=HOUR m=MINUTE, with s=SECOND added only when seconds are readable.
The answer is h=1 m=55
